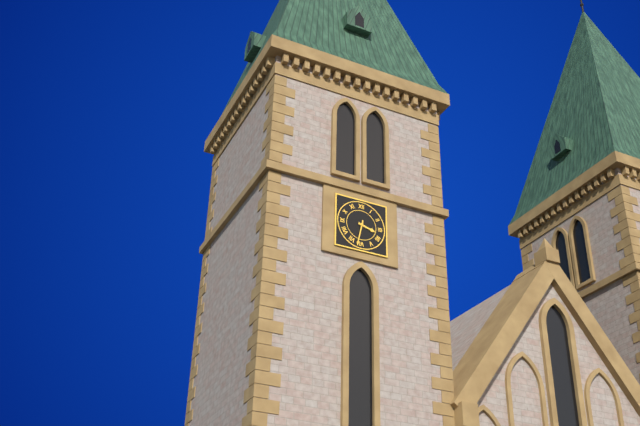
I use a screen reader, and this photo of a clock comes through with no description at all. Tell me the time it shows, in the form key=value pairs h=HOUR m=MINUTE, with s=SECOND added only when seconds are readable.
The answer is h=3 m=32
